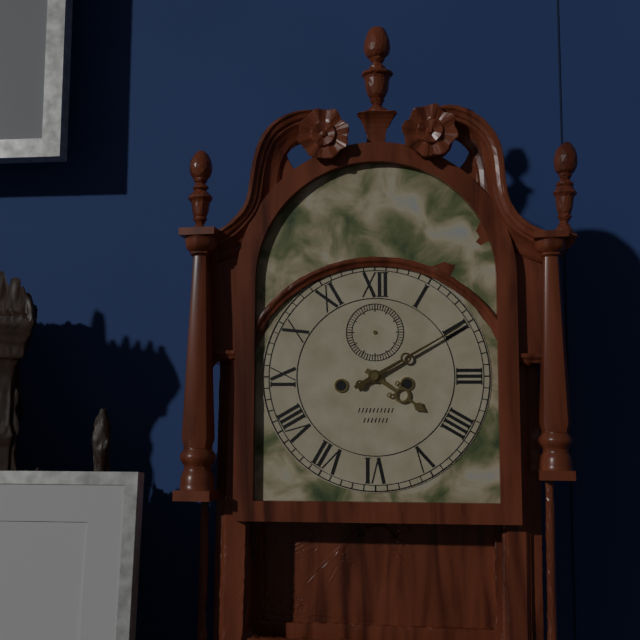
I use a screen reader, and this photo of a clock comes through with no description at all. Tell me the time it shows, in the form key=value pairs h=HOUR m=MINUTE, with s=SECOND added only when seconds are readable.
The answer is h=4 m=10
